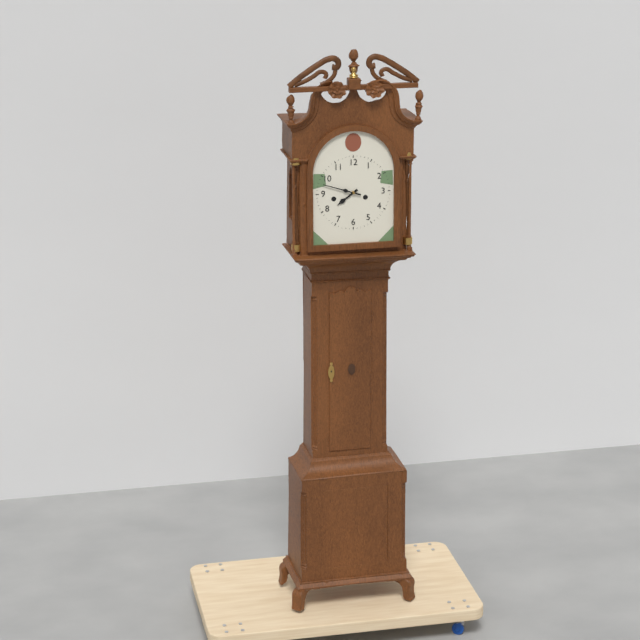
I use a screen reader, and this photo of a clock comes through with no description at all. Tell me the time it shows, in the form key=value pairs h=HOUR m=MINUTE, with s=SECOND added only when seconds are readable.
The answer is h=7 m=48
